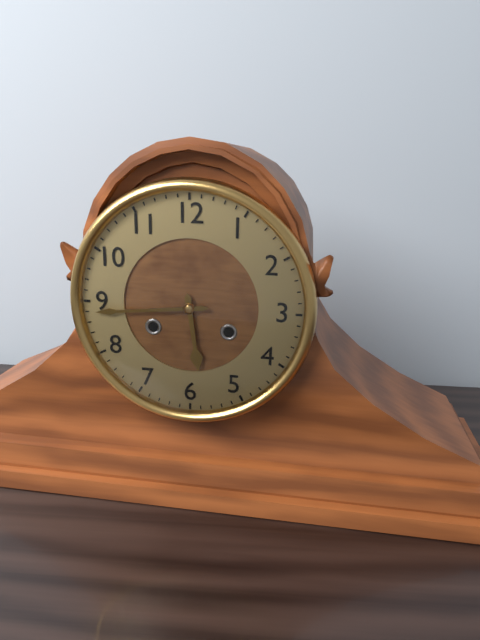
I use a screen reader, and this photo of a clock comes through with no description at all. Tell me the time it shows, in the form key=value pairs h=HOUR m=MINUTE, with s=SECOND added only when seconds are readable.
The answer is h=5 m=44
